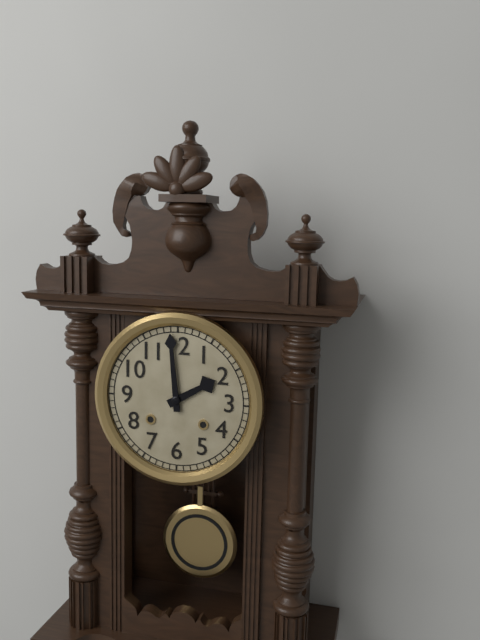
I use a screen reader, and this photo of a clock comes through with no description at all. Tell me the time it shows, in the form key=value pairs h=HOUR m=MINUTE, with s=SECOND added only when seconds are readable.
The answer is h=1 m=59
